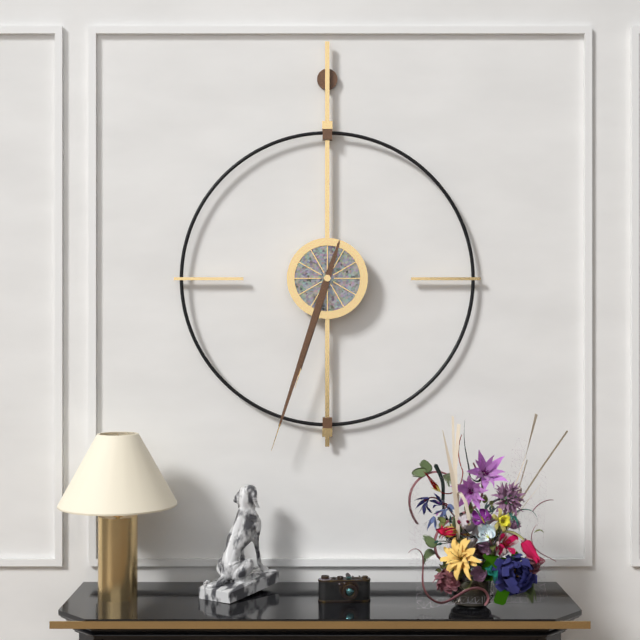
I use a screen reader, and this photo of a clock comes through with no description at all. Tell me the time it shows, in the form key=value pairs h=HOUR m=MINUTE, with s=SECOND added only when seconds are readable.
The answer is h=6 m=33
